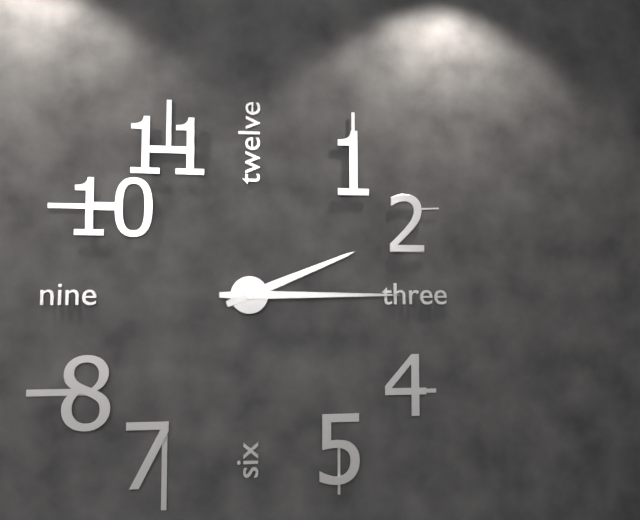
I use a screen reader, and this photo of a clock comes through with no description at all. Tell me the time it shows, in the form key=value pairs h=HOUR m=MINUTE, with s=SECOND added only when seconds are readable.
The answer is h=2 m=15
